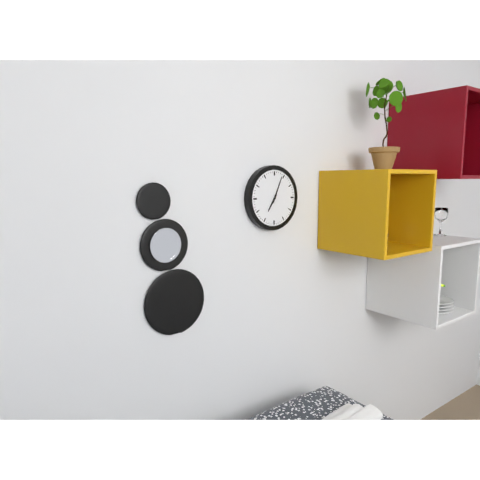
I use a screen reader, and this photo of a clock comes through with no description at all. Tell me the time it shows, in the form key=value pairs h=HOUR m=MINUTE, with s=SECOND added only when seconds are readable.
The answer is h=7 m=4
